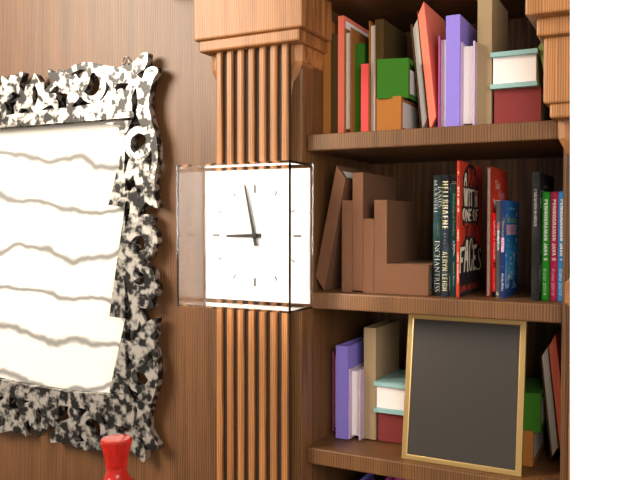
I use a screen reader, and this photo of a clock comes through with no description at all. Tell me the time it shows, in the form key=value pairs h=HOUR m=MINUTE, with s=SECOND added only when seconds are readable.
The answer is h=8 m=58
